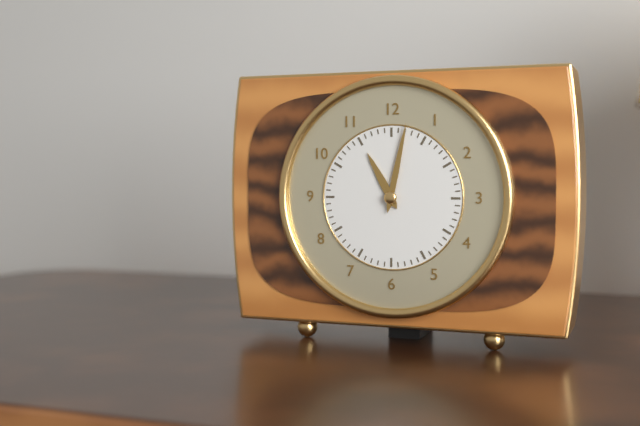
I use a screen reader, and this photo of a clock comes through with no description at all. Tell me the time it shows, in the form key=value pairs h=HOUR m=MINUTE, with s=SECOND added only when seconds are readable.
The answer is h=11 m=2
